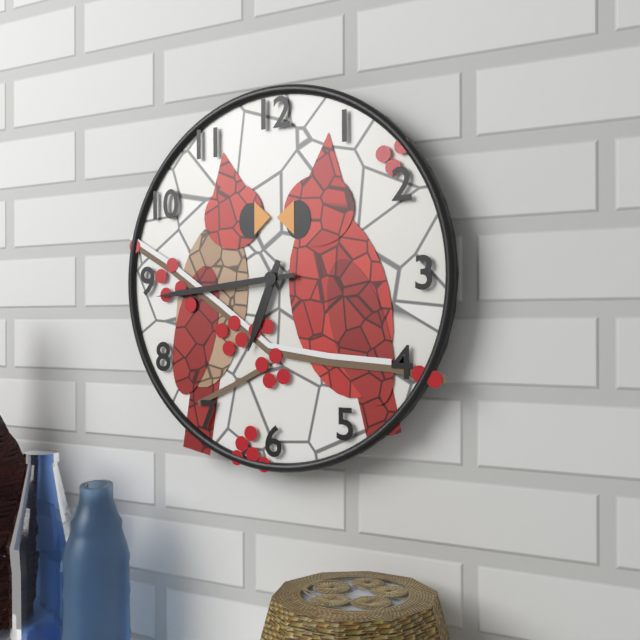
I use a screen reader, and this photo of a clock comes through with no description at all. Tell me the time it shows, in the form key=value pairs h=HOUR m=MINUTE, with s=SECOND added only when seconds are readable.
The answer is h=6 m=44
